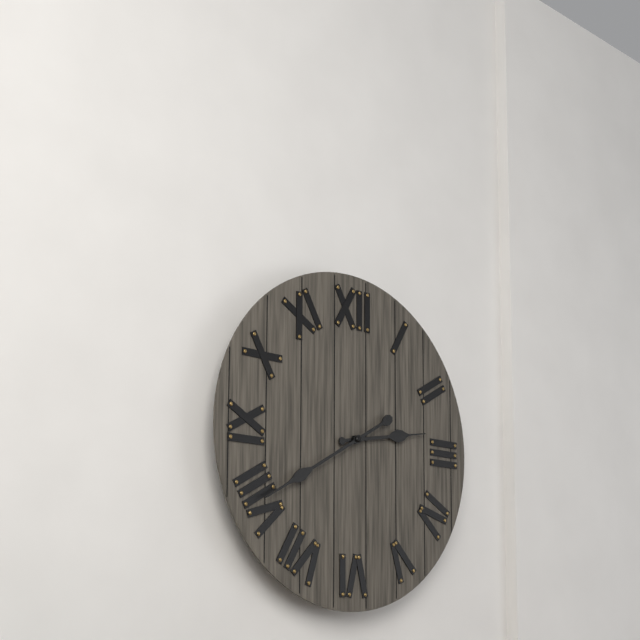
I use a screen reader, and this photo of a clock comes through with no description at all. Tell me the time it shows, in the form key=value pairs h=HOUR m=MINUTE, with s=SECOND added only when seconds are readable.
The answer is h=2 m=40
